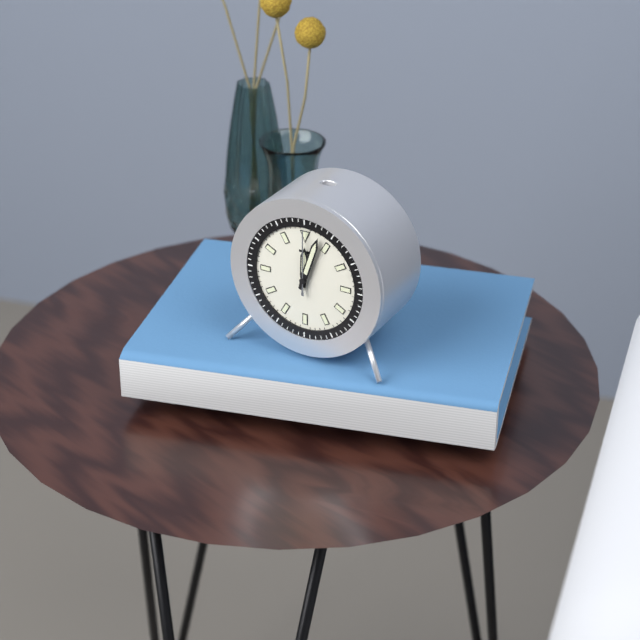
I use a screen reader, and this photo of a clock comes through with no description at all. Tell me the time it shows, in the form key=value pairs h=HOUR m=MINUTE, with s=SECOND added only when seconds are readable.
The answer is h=12 m=3 s=0
